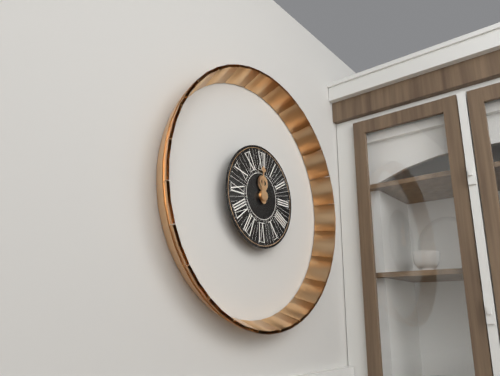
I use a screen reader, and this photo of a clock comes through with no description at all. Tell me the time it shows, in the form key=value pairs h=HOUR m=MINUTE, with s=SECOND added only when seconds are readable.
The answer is h=12 m=0
